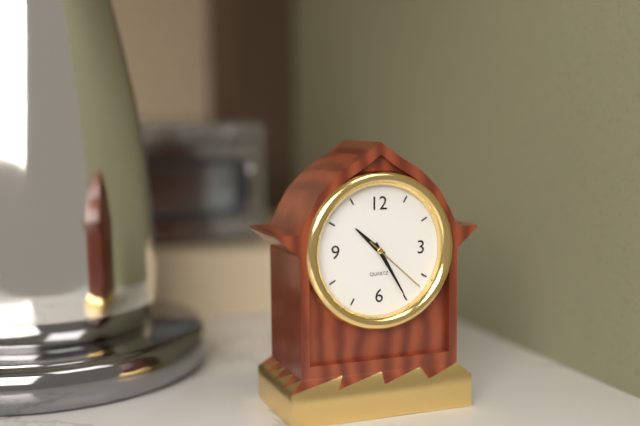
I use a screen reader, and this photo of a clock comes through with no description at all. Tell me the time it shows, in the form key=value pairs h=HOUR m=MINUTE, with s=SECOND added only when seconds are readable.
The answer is h=10 m=25 s=22
